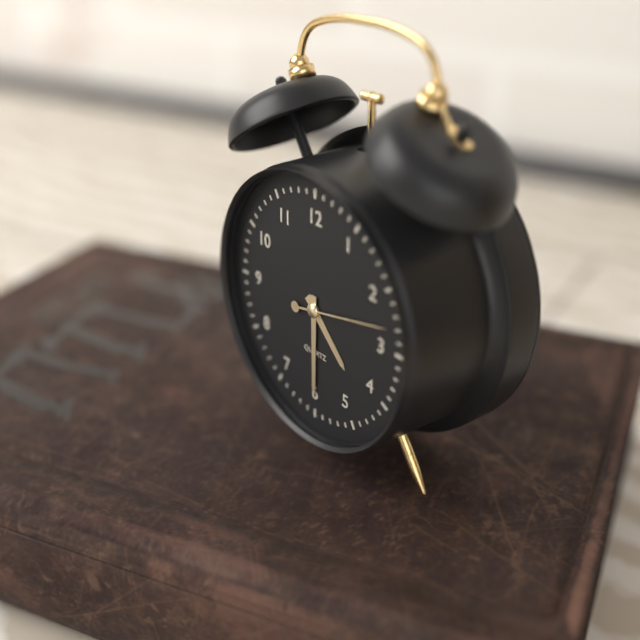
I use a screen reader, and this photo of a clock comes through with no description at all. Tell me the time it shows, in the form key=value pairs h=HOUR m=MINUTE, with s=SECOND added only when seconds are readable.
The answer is h=4 m=30 s=13
